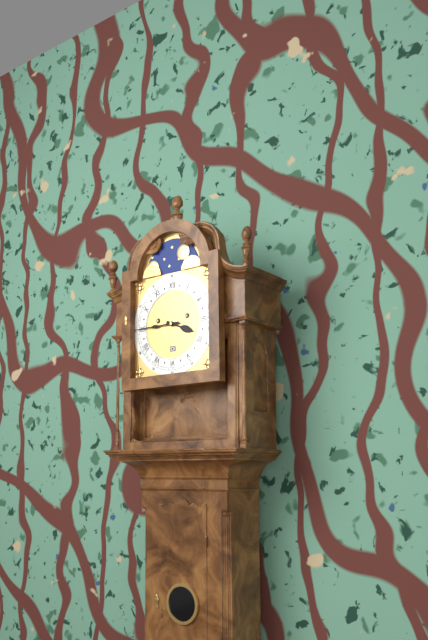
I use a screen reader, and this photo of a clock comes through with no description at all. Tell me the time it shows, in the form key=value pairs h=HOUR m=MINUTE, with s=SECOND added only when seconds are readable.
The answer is h=3 m=45
